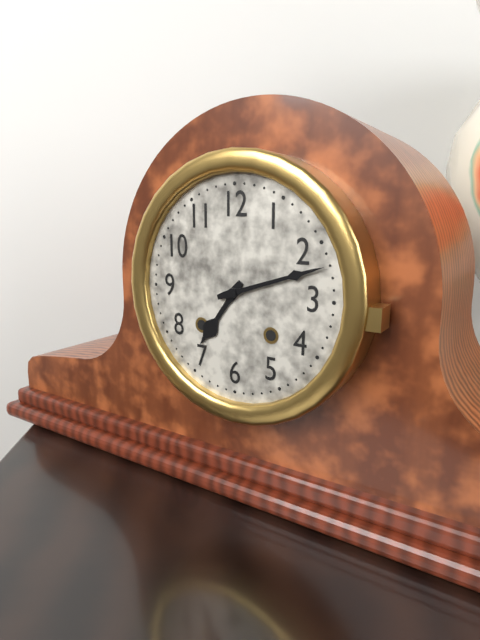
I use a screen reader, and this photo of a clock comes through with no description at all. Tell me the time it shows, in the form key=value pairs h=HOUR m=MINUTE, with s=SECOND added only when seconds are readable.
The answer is h=7 m=12
